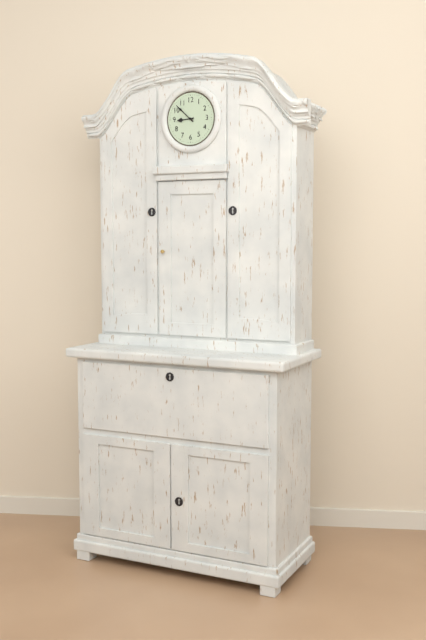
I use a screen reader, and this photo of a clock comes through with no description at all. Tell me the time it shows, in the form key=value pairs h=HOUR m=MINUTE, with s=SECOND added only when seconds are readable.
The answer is h=8 m=52
